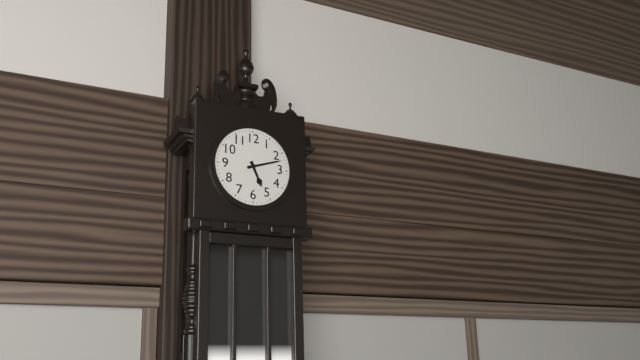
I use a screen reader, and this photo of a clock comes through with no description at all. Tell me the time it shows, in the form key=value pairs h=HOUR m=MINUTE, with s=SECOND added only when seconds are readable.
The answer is h=5 m=12
